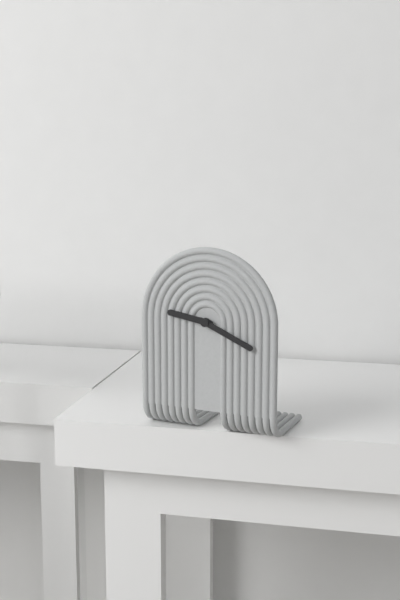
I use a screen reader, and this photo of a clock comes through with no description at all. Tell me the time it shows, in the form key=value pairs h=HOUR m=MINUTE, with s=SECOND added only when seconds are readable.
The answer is h=9 m=19
